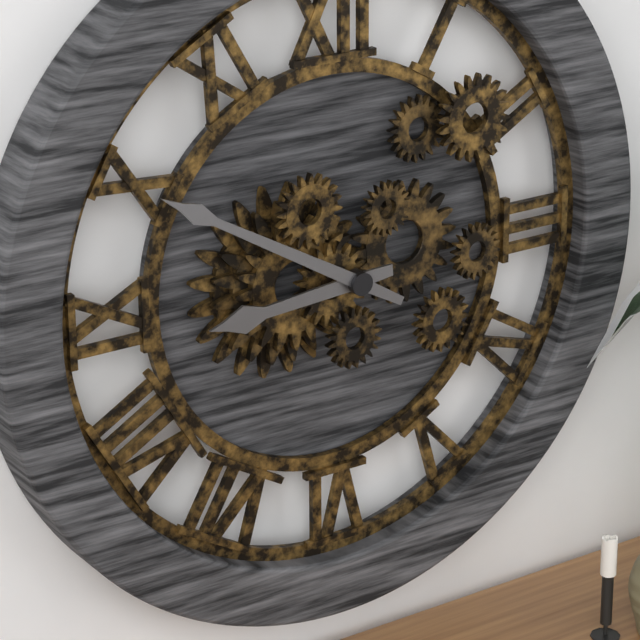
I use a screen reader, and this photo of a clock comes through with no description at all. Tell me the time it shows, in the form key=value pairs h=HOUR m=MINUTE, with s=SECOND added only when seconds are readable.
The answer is h=8 m=50
